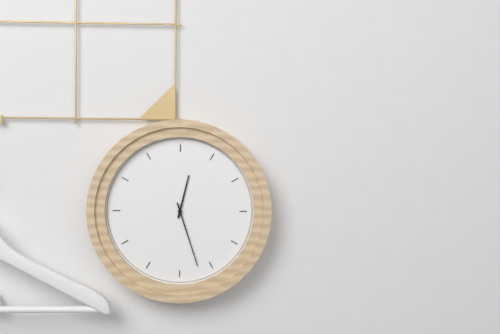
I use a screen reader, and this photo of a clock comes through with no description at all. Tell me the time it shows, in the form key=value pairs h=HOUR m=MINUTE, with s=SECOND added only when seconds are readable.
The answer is h=12 m=27
